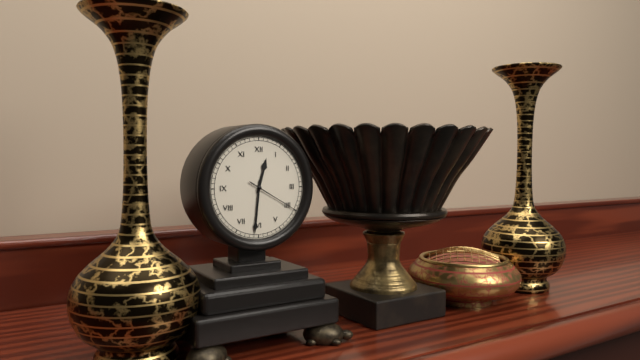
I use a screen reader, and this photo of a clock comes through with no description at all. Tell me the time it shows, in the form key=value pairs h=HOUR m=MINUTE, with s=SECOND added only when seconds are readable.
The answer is h=12 m=31 s=20
